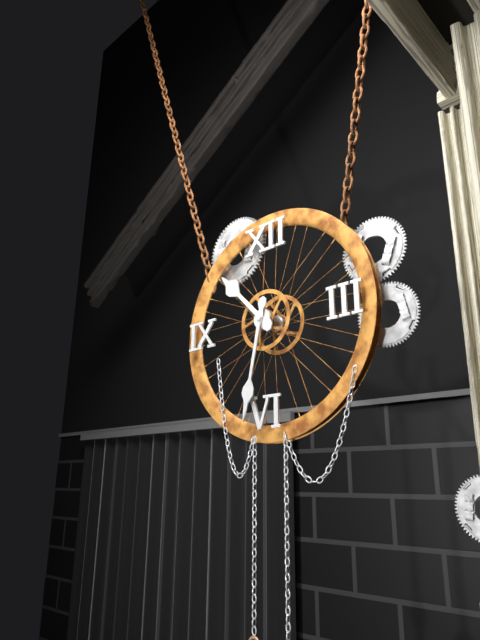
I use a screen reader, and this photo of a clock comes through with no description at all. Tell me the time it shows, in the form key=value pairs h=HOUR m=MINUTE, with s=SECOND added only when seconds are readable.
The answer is h=10 m=32
